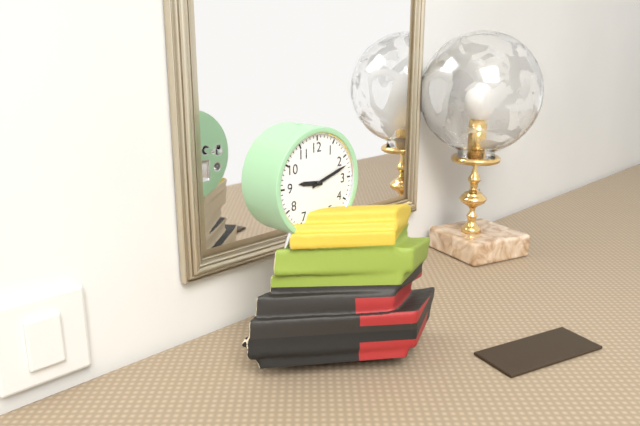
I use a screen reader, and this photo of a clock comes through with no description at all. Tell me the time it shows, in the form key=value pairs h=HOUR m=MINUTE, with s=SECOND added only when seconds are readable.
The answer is h=9 m=12
